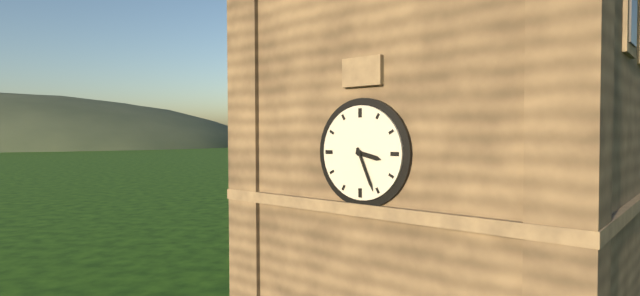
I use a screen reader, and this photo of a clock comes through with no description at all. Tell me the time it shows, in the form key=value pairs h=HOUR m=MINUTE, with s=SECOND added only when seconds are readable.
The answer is h=3 m=26
